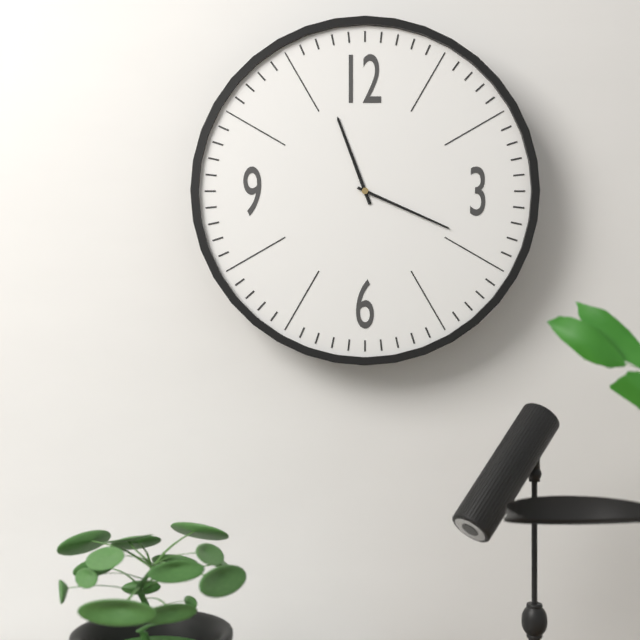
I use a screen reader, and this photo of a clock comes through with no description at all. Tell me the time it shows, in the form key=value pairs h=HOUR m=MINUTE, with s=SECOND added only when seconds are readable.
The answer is h=11 m=19
